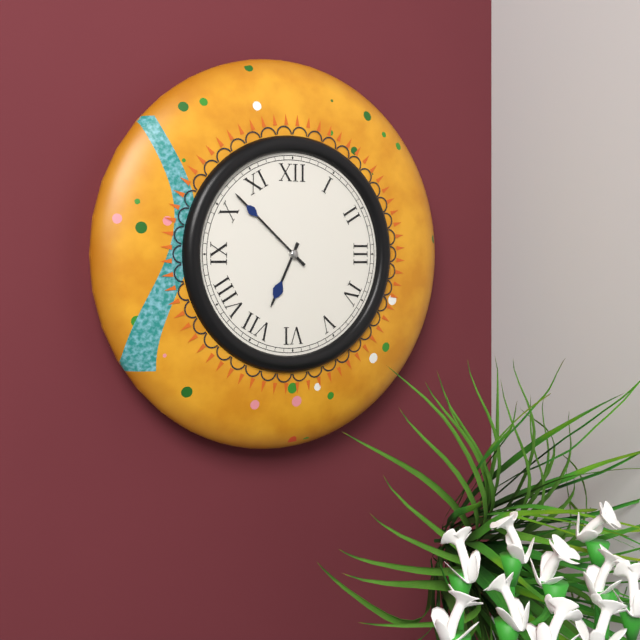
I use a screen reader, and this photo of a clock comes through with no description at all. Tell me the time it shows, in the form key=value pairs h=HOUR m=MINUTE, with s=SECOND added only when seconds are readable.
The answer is h=6 m=52
